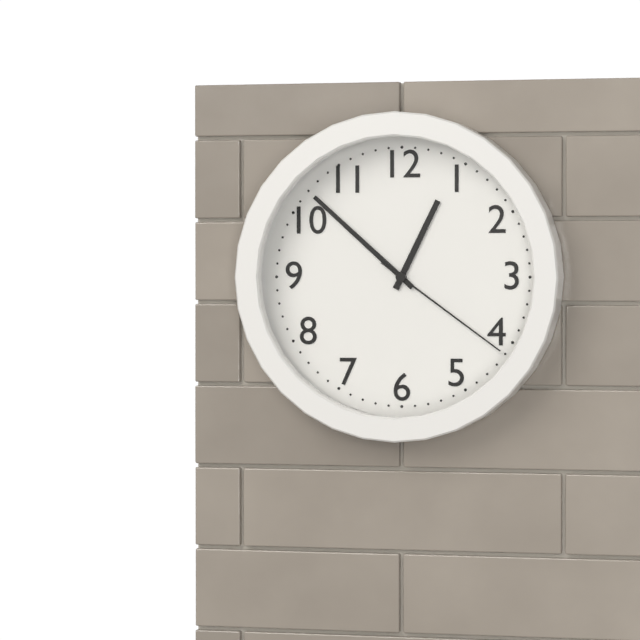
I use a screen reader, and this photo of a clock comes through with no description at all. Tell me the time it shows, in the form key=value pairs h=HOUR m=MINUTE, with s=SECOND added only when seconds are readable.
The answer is h=12 m=52 s=21
